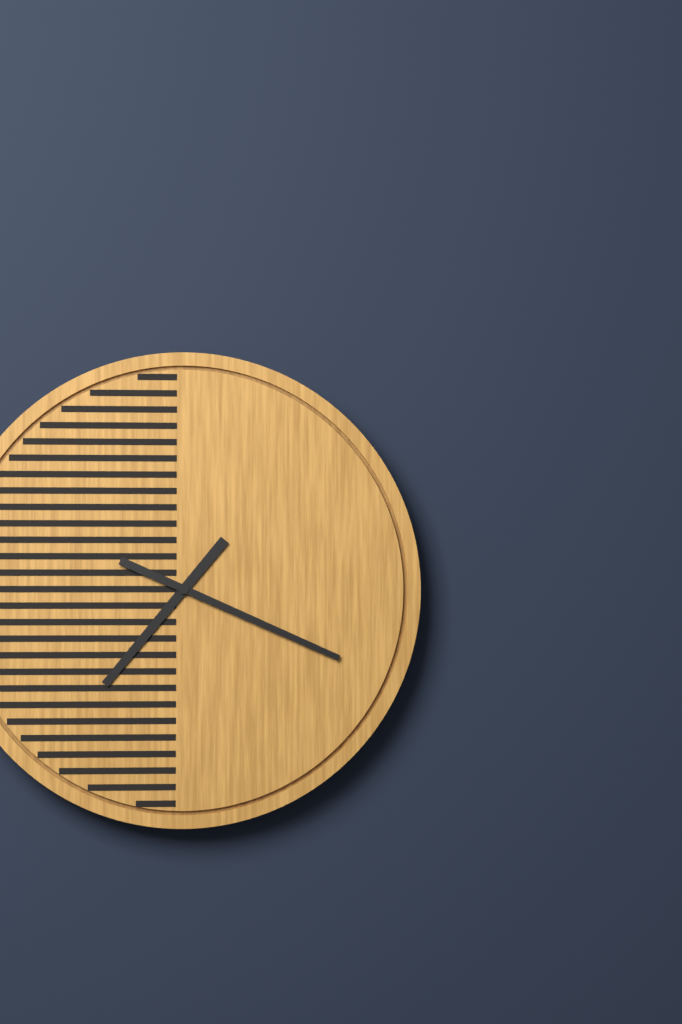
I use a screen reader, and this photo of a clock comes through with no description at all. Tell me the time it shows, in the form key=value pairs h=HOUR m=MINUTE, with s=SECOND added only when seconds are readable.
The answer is h=7 m=19
